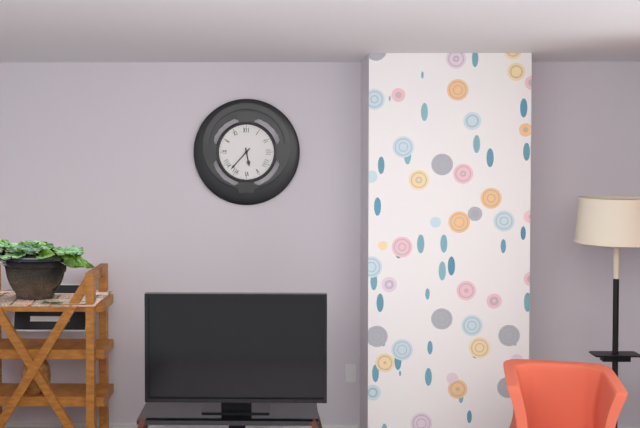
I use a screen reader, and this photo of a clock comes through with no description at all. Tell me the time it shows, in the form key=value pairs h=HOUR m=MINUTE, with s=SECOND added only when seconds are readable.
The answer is h=5 m=37
